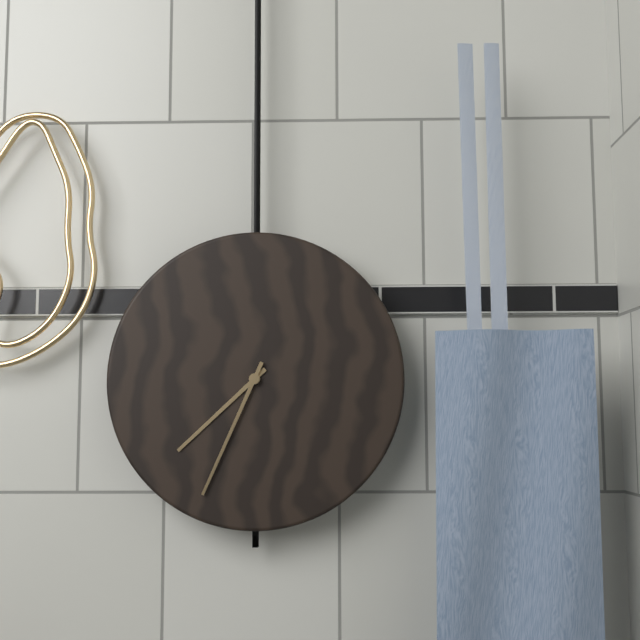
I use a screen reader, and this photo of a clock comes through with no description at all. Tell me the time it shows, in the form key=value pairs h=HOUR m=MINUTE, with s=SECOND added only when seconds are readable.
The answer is h=7 m=34
